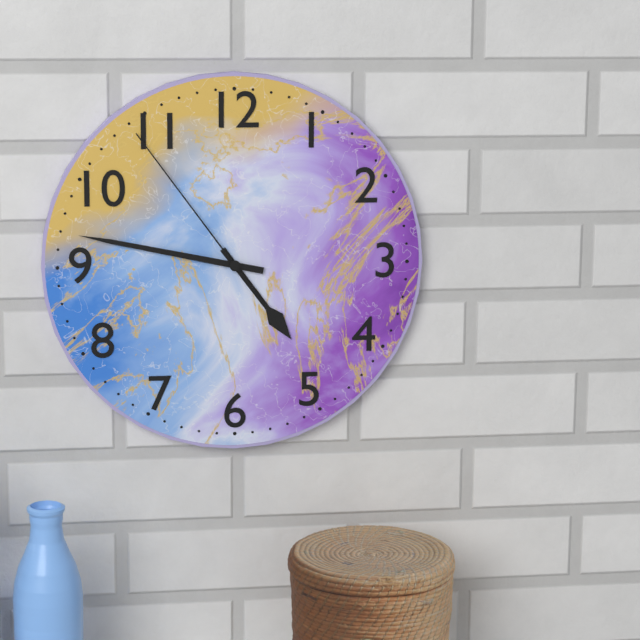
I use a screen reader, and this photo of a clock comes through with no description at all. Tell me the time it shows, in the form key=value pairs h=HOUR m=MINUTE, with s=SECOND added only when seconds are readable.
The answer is h=4 m=47 s=54
